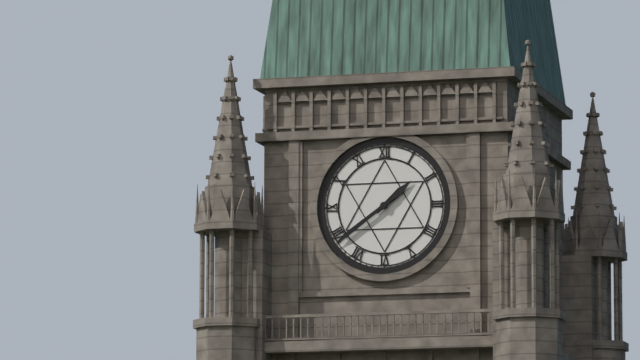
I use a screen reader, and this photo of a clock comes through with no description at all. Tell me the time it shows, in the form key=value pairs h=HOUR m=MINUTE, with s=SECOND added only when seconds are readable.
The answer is h=1 m=39
